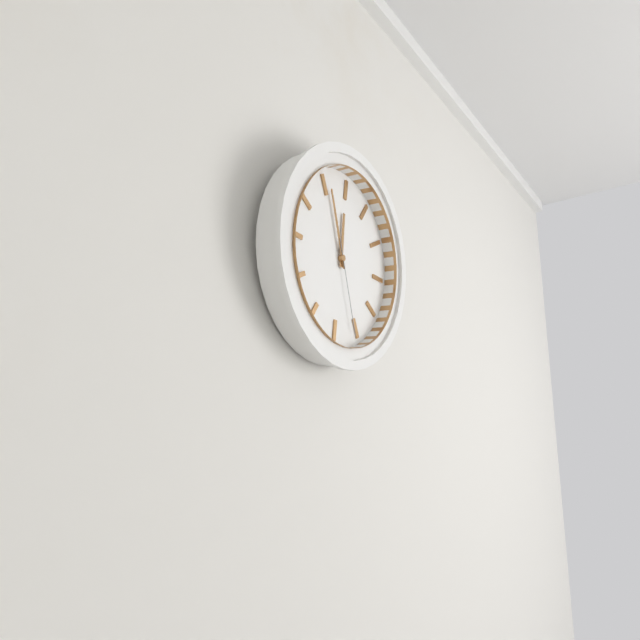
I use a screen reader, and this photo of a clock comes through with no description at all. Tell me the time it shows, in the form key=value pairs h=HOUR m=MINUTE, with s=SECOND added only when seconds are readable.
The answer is h=11 m=56 s=26
